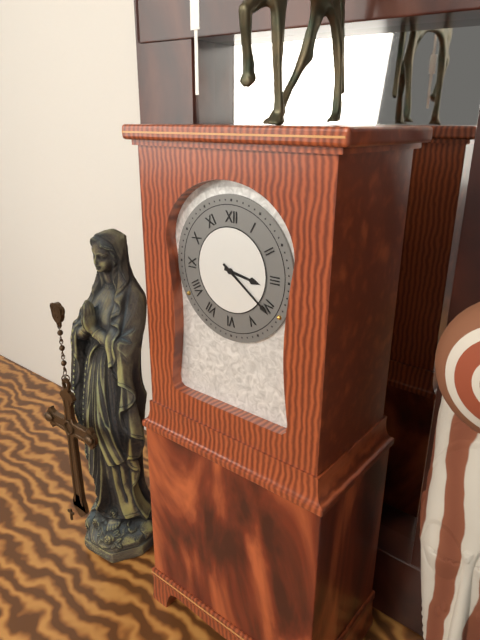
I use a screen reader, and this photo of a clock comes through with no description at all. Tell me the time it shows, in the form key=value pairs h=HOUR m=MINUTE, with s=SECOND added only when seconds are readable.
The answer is h=3 m=21
